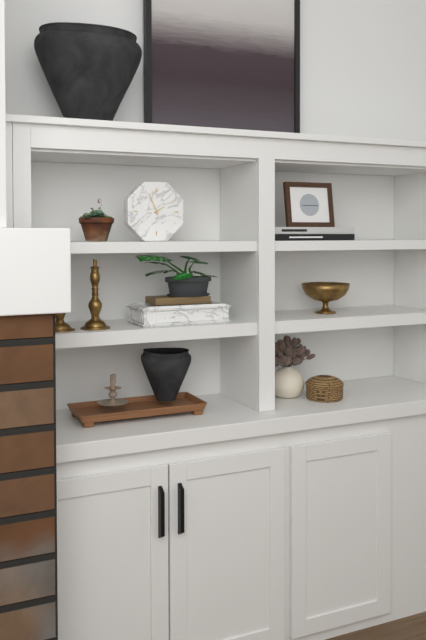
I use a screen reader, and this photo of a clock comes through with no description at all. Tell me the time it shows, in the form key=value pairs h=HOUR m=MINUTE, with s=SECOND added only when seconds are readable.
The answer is h=1 m=56
